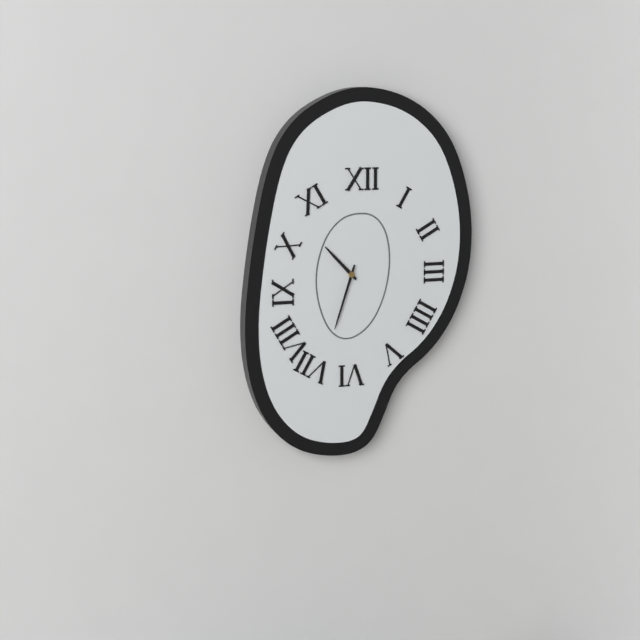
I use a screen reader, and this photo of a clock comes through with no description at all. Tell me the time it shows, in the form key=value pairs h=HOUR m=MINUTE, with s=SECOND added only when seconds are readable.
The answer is h=10 m=33
